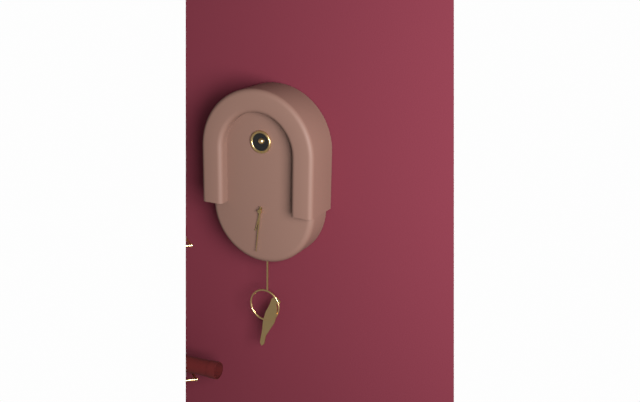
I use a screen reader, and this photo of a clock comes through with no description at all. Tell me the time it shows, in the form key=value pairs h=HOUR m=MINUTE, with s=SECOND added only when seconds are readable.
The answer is h=6 m=31
